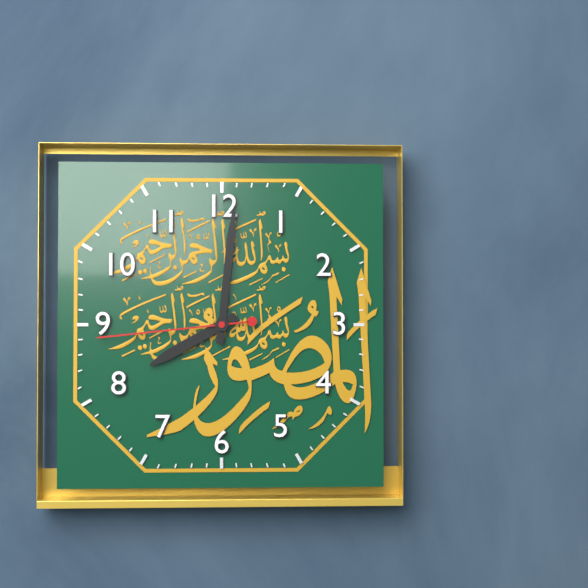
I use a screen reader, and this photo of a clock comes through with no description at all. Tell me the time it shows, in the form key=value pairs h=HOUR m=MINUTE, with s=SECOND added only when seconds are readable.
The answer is h=8 m=1 s=44
